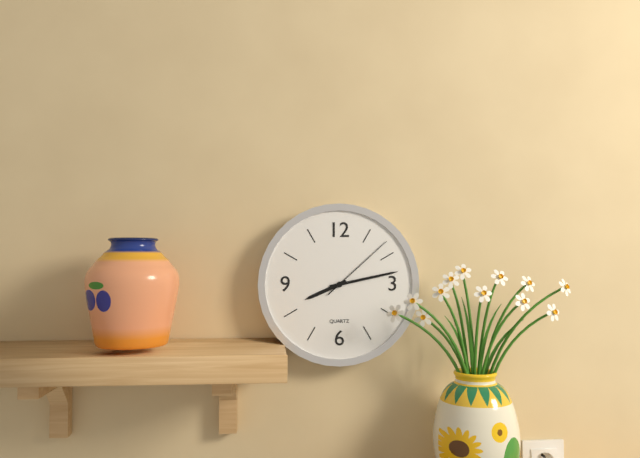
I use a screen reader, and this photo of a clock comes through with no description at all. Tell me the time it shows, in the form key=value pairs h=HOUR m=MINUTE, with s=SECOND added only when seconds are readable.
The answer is h=8 m=13 s=8
